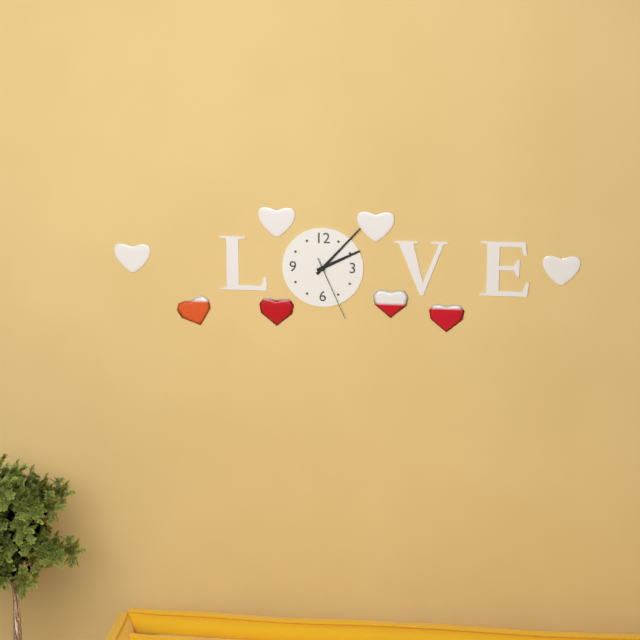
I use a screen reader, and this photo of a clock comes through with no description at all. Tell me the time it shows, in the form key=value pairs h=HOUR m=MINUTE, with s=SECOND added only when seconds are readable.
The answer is h=2 m=7 s=26
